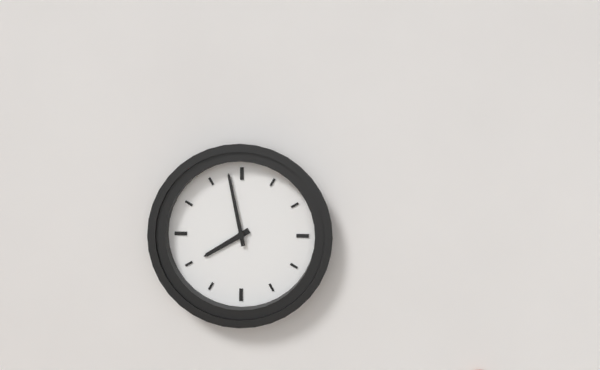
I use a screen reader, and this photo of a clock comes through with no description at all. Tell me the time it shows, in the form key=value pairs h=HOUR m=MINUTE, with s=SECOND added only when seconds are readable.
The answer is h=7 m=58
